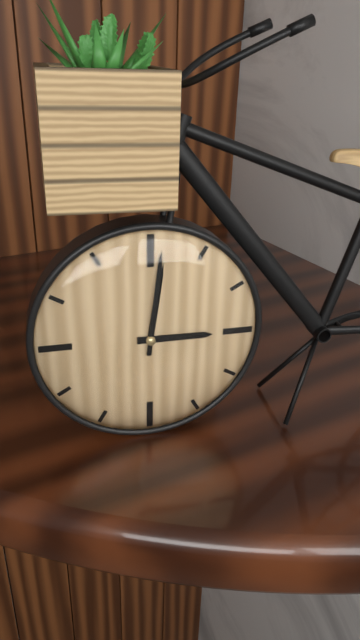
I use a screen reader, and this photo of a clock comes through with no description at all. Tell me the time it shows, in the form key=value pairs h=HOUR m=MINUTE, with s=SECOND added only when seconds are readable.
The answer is h=3 m=1
